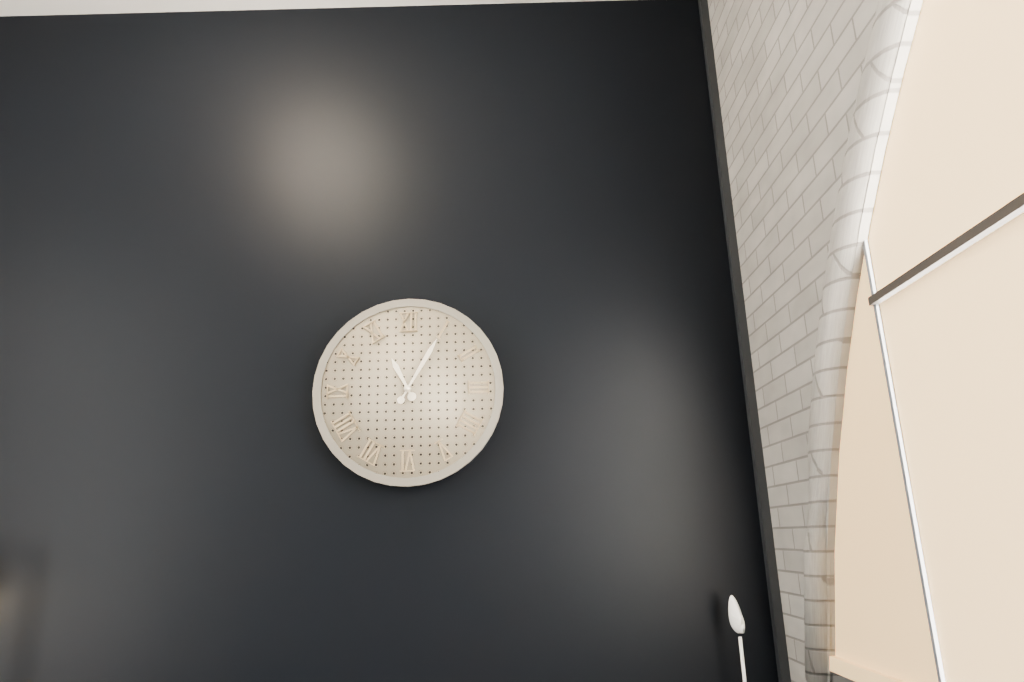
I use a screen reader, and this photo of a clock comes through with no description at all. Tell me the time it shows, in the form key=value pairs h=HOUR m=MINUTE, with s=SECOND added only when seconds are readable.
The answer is h=11 m=5
